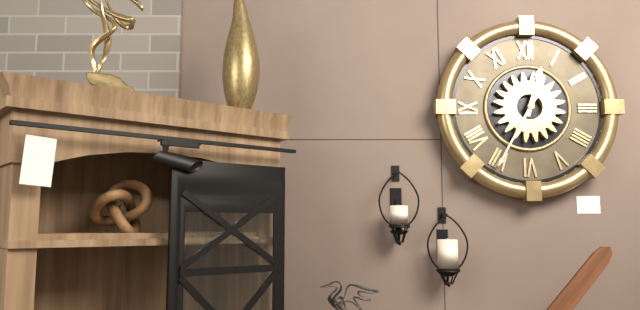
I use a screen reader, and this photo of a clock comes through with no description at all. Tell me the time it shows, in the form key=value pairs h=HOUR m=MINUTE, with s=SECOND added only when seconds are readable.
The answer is h=12 m=35
